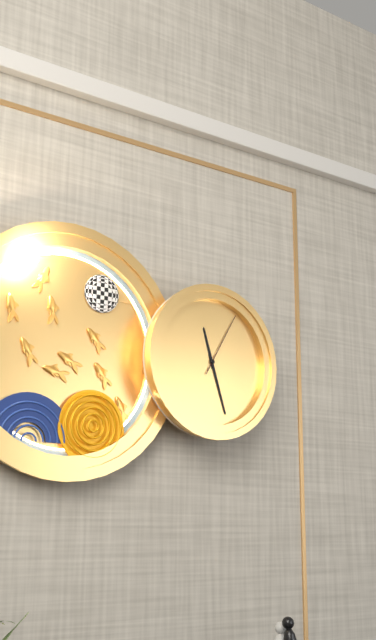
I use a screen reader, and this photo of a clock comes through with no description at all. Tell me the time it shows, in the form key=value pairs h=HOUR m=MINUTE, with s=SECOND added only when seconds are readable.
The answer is h=11 m=27 s=5
